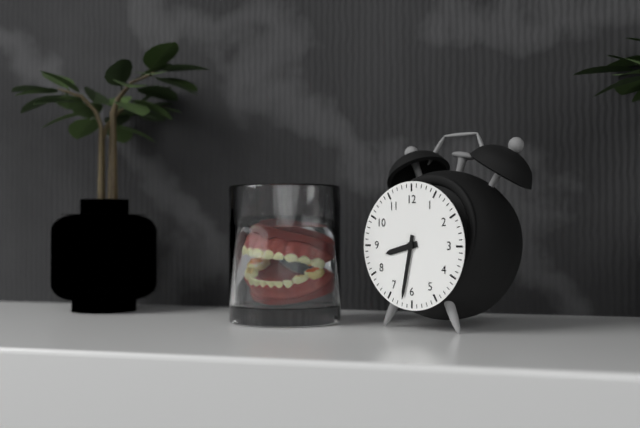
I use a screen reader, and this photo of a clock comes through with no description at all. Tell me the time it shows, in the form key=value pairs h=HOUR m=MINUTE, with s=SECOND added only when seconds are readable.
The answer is h=8 m=32
